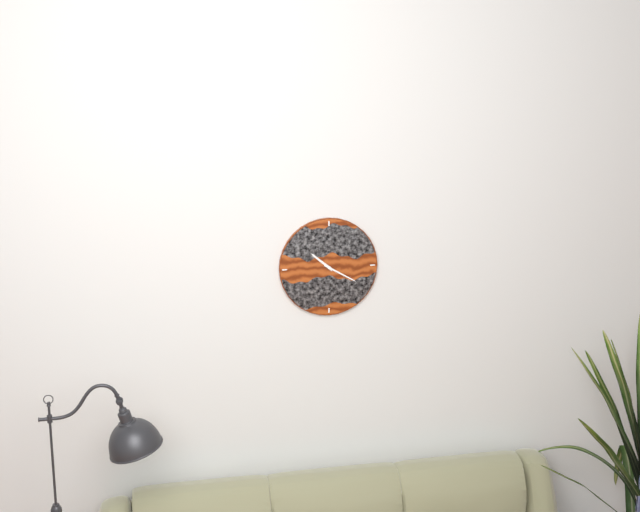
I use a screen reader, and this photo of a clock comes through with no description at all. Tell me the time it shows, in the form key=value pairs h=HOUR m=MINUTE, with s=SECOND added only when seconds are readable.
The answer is h=10 m=20
